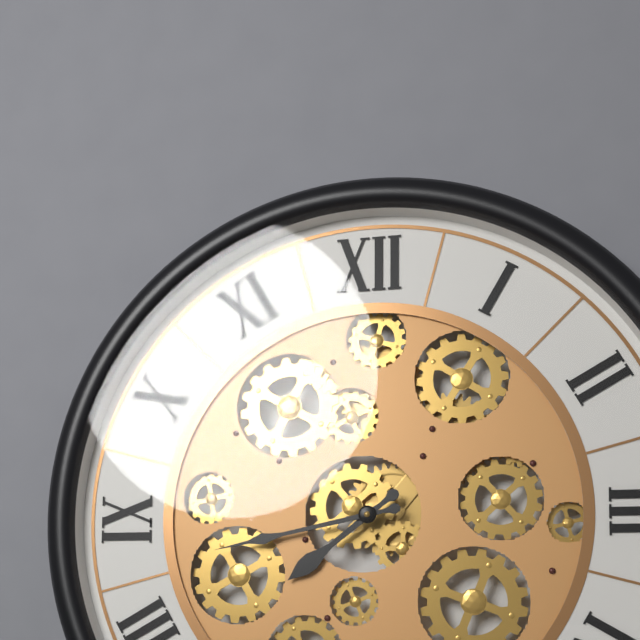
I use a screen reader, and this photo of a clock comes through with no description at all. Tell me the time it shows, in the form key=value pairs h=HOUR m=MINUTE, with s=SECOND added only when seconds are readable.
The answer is h=7 m=43
